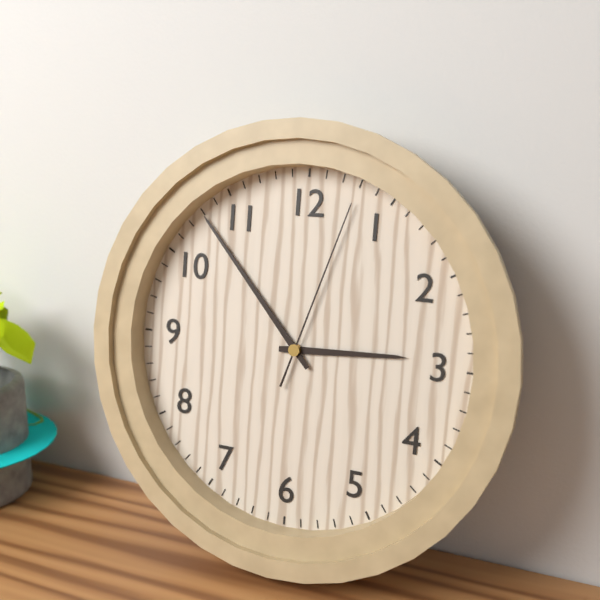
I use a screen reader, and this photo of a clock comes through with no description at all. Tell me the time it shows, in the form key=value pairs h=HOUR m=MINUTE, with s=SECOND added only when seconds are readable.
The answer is h=2 m=53 s=3
